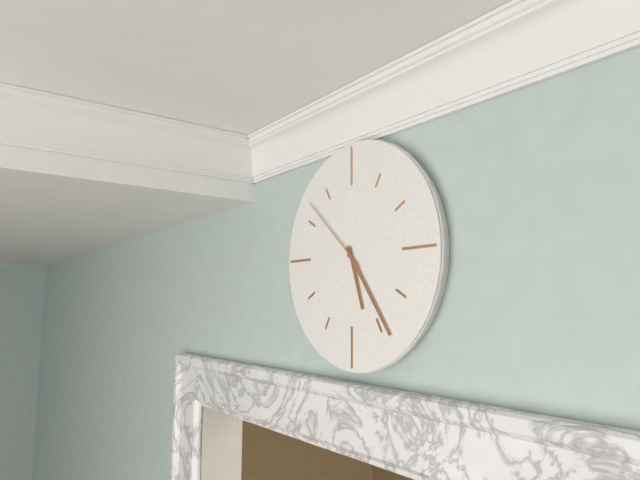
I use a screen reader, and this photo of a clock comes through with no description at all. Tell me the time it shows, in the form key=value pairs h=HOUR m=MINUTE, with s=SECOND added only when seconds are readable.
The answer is h=5 m=24 s=52
